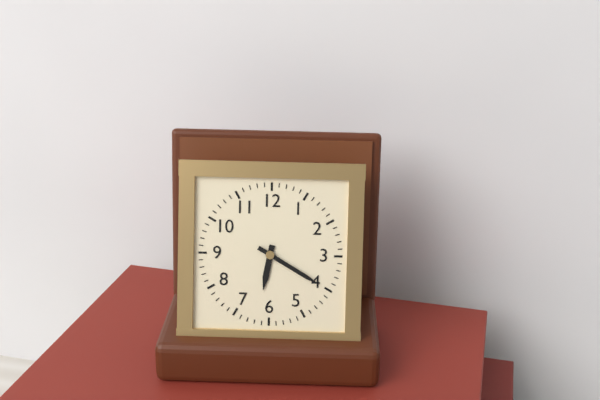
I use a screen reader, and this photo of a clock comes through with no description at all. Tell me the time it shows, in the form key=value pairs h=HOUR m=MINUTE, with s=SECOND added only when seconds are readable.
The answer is h=6 m=20
